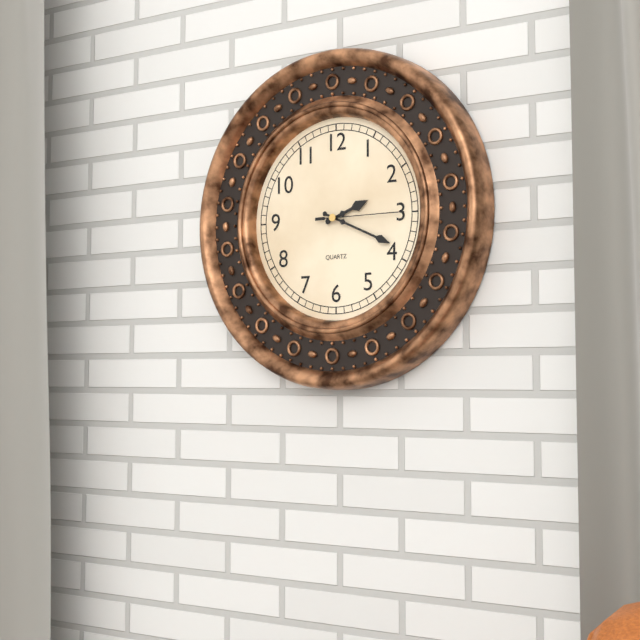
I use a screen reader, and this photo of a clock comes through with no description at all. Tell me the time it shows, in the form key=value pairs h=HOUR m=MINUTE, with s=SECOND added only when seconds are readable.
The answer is h=2 m=19 s=15
